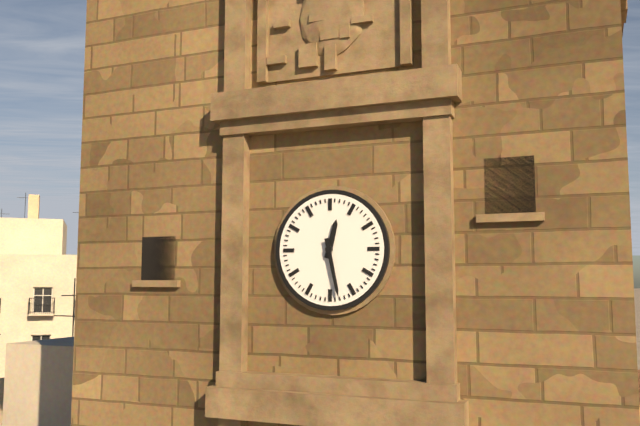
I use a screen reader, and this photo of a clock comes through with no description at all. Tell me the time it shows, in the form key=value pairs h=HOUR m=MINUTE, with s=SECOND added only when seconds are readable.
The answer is h=12 m=28
